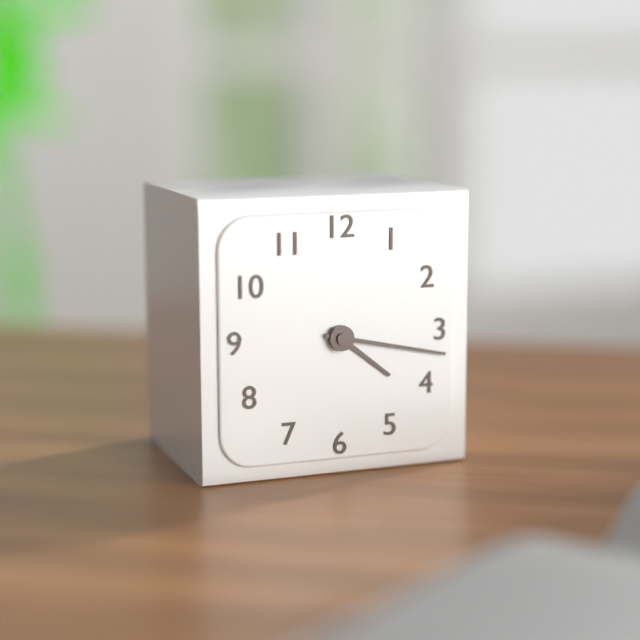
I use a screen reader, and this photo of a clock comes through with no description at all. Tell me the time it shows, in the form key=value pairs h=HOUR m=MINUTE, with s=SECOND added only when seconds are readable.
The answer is h=4 m=17
